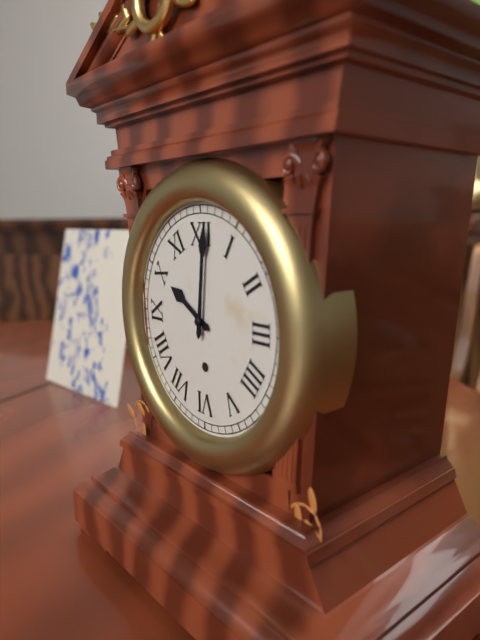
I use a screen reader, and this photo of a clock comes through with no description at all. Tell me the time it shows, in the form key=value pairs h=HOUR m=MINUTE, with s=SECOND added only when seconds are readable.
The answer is h=10 m=1
